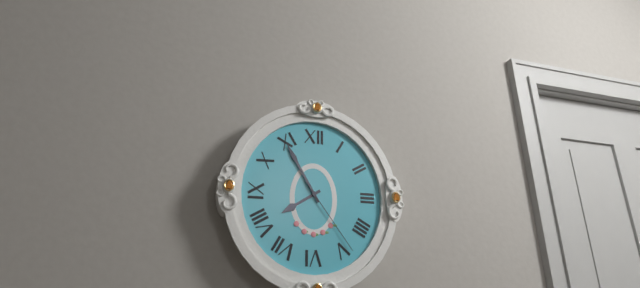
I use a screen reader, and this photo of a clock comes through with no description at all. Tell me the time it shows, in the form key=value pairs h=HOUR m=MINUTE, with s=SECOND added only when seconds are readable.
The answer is h=7 m=55 s=24
